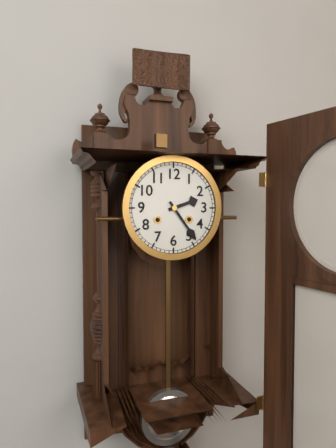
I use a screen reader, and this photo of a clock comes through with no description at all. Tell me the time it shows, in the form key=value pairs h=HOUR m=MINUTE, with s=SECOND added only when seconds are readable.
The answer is h=2 m=24
